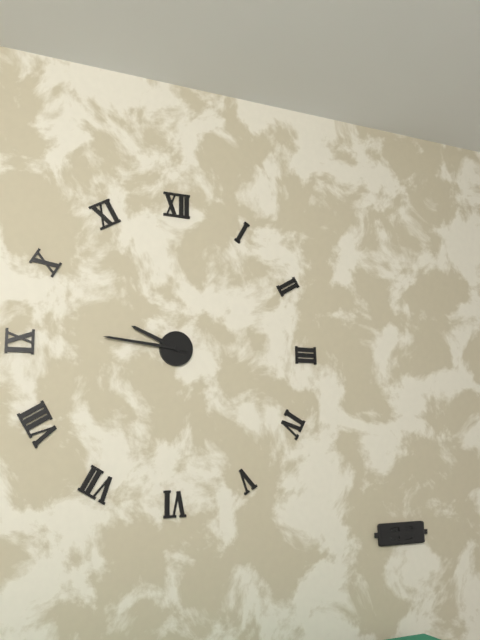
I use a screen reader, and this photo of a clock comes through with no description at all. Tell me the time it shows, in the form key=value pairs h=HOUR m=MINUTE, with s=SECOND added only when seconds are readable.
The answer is h=9 m=46
